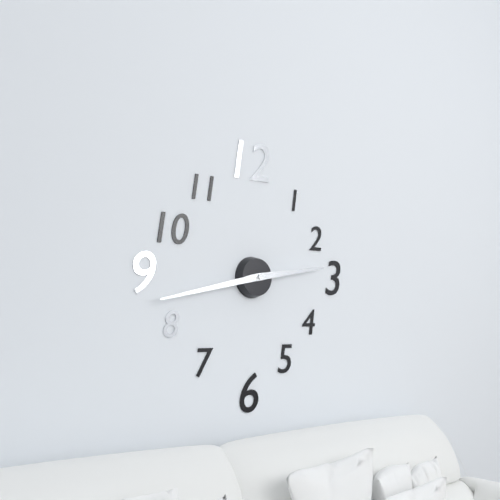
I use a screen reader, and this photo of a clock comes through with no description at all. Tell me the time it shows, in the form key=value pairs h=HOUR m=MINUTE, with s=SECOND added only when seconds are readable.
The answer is h=2 m=43
